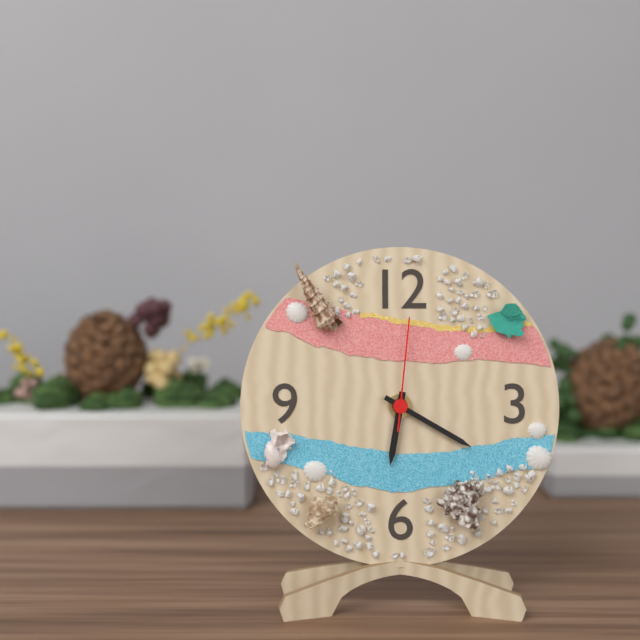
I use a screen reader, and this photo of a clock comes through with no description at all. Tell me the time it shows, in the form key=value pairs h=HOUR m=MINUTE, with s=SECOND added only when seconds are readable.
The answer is h=6 m=20 s=1
